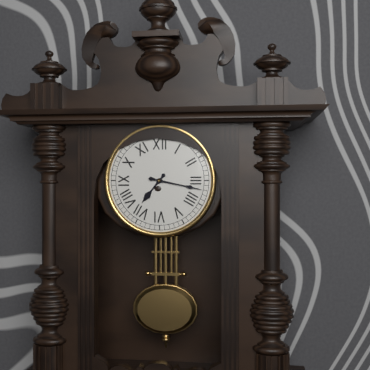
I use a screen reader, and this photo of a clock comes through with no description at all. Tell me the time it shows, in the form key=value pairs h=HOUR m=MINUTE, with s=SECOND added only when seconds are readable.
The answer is h=7 m=17
